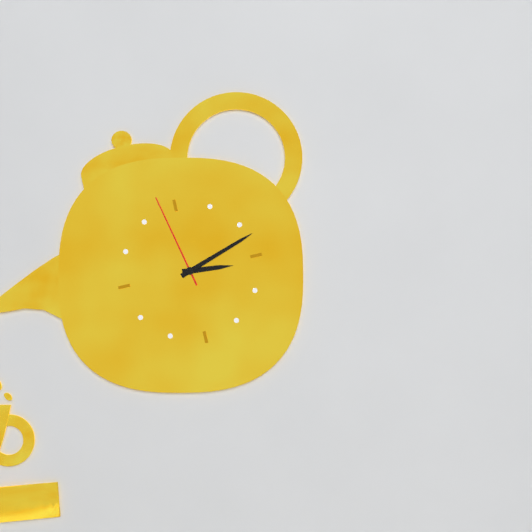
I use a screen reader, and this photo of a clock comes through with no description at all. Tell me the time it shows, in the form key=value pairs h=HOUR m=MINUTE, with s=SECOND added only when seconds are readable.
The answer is h=3 m=12 s=58
